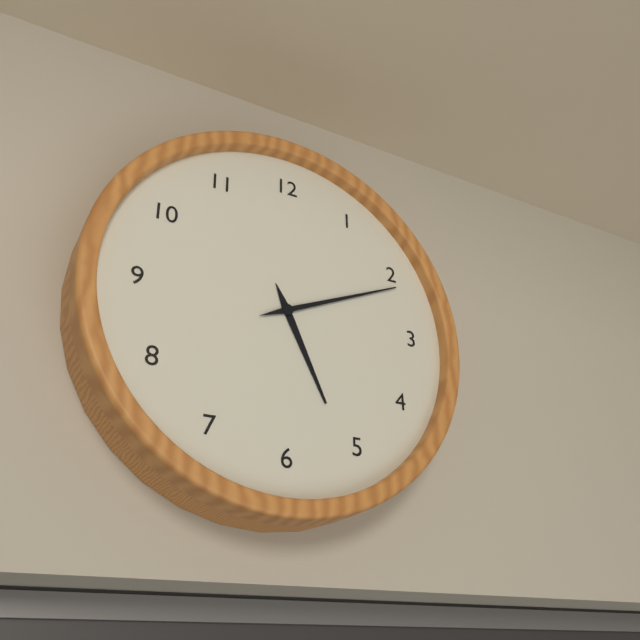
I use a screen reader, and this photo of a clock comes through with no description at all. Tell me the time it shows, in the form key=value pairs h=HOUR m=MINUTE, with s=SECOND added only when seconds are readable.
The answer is h=5 m=11
